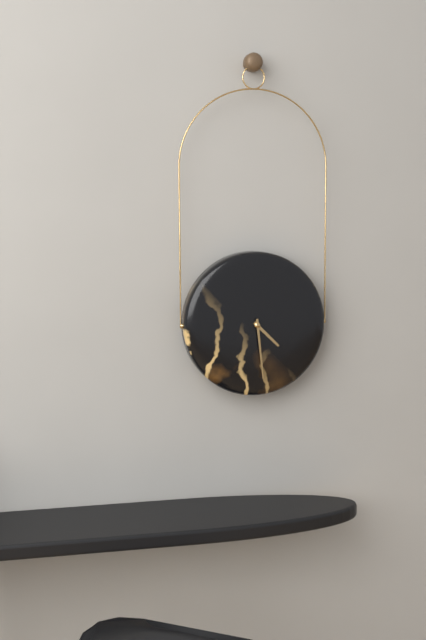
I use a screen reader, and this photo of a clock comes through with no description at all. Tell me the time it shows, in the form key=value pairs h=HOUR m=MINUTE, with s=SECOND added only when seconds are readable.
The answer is h=4 m=29
